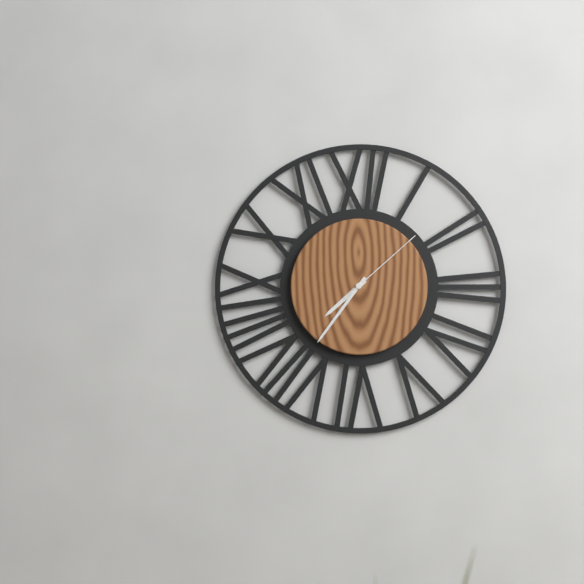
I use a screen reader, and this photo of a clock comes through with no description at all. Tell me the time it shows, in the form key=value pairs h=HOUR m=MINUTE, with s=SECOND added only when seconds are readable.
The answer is h=7 m=36 s=8
